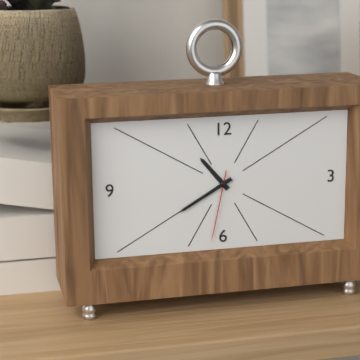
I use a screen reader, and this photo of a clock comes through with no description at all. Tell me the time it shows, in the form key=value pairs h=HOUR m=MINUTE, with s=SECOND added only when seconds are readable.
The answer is h=10 m=40 s=32
